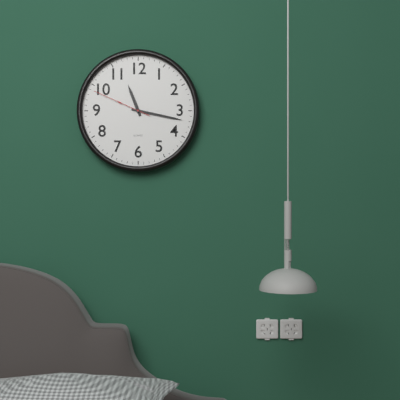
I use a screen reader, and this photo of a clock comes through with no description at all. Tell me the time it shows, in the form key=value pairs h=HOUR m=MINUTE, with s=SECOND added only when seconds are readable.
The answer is h=11 m=17 s=49
